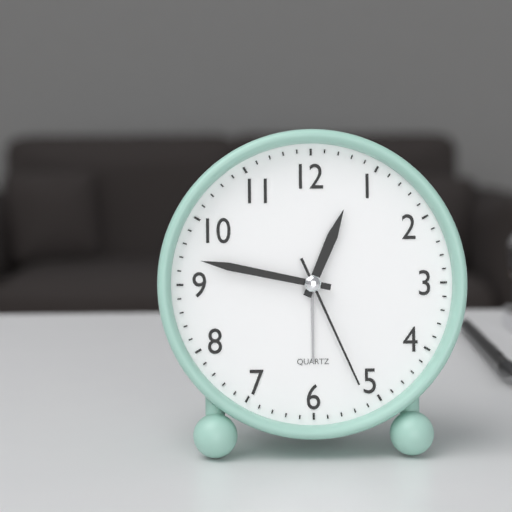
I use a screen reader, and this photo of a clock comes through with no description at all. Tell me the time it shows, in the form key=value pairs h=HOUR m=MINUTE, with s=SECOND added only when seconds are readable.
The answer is h=12 m=47 s=26
